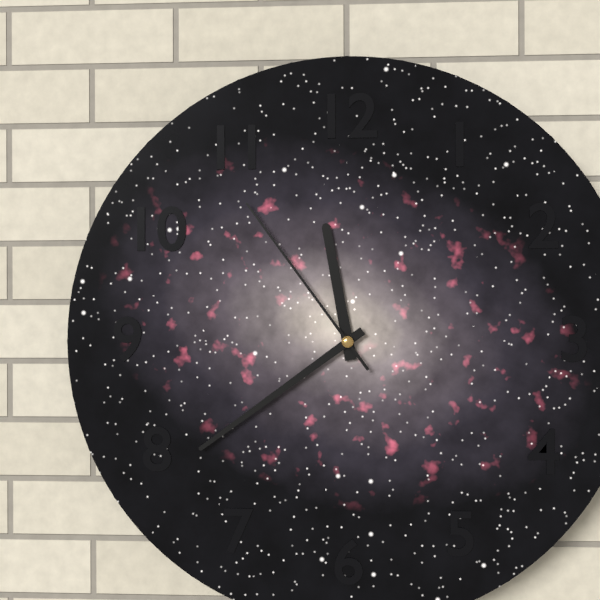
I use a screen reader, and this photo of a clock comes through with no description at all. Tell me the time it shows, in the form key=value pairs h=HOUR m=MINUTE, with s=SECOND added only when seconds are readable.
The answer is h=11 m=39 s=54
